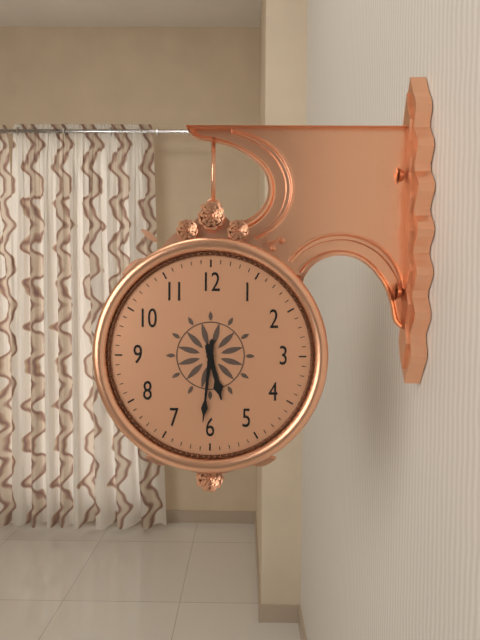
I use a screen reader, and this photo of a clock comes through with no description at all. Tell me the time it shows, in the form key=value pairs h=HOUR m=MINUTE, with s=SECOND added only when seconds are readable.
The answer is h=5 m=31
